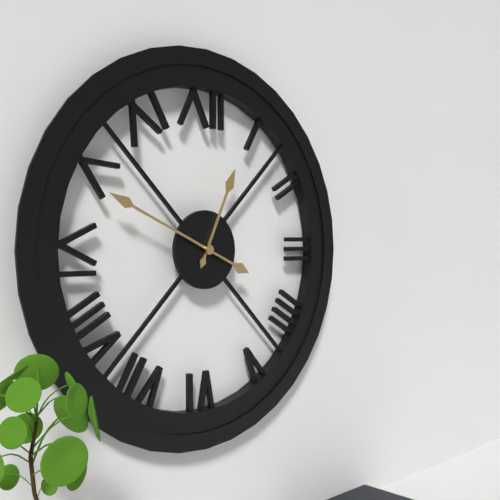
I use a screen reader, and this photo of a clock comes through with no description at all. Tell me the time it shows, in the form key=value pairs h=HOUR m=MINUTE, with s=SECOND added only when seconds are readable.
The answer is h=12 m=49
